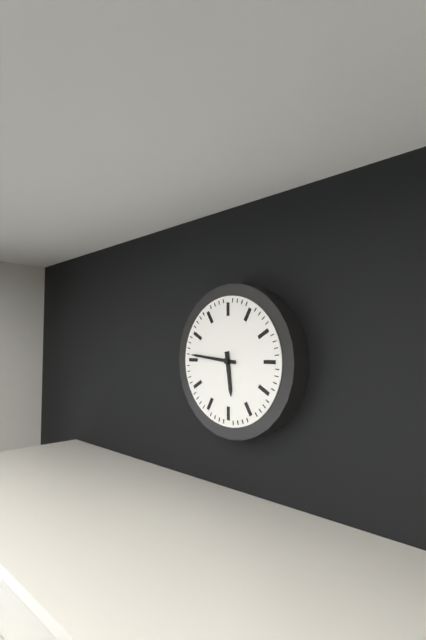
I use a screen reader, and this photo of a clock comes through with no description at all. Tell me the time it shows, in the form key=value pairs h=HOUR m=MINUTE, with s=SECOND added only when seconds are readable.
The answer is h=5 m=46
